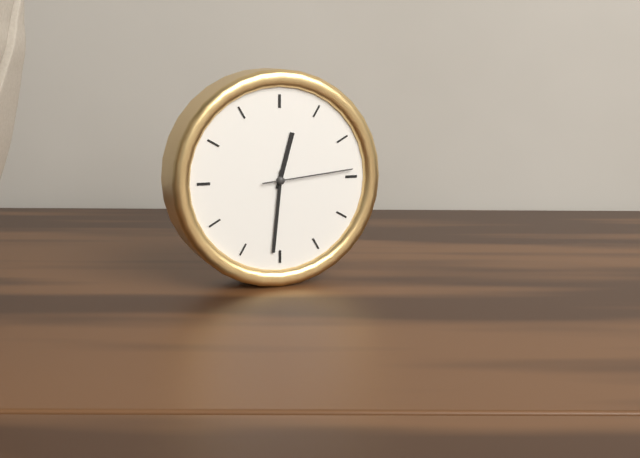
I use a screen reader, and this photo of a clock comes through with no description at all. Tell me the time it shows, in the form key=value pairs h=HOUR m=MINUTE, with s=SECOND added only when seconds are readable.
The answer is h=12 m=31 s=14
